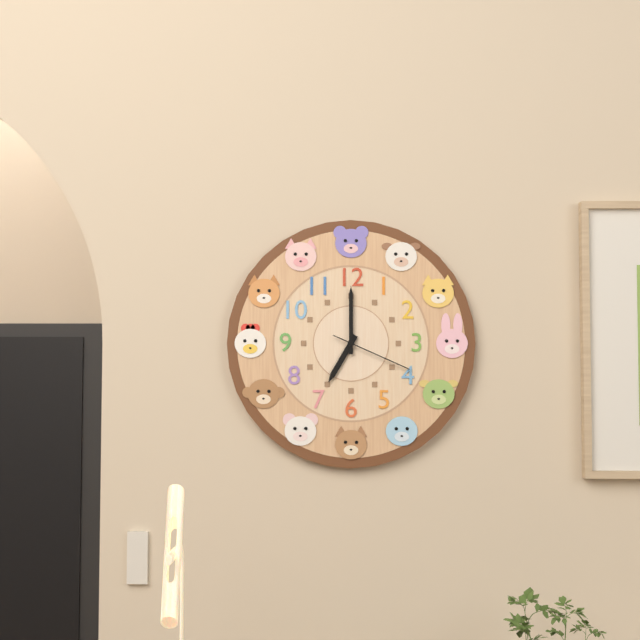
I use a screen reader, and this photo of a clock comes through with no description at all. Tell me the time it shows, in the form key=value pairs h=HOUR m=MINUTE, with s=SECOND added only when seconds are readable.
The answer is h=7 m=0 s=19
